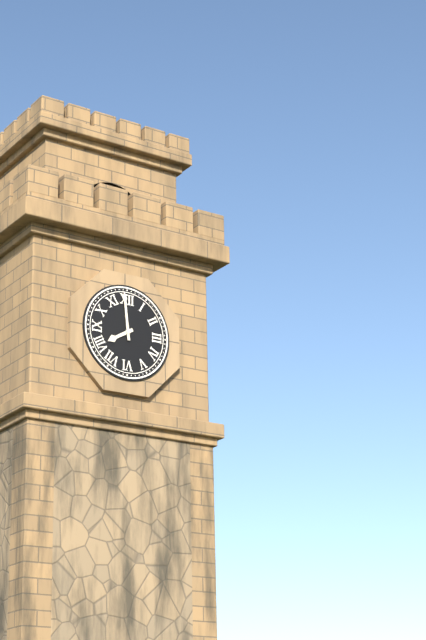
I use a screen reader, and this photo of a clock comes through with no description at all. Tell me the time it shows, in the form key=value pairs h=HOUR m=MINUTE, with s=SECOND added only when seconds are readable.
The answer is h=7 m=59
